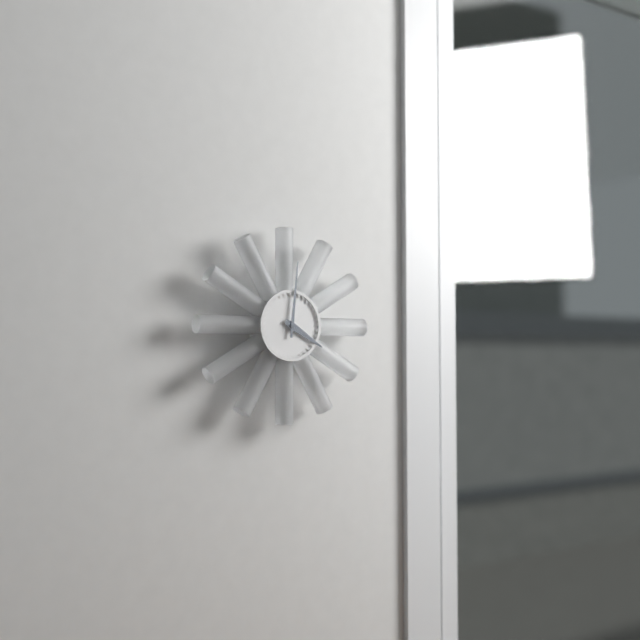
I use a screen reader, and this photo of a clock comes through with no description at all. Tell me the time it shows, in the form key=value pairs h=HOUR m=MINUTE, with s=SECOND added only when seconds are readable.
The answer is h=4 m=1
